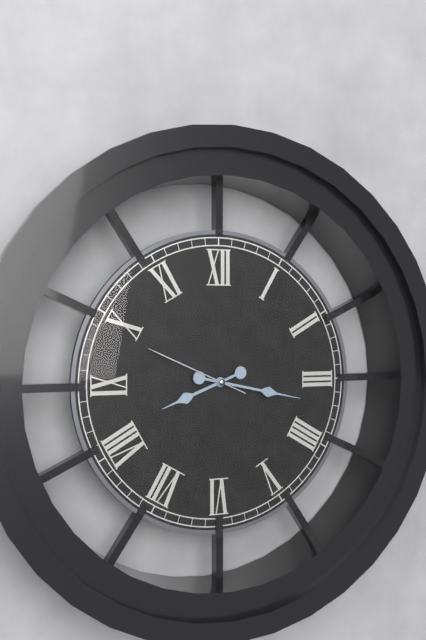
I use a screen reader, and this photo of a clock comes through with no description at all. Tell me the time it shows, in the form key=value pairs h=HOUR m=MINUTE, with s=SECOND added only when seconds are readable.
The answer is h=8 m=17 s=49
